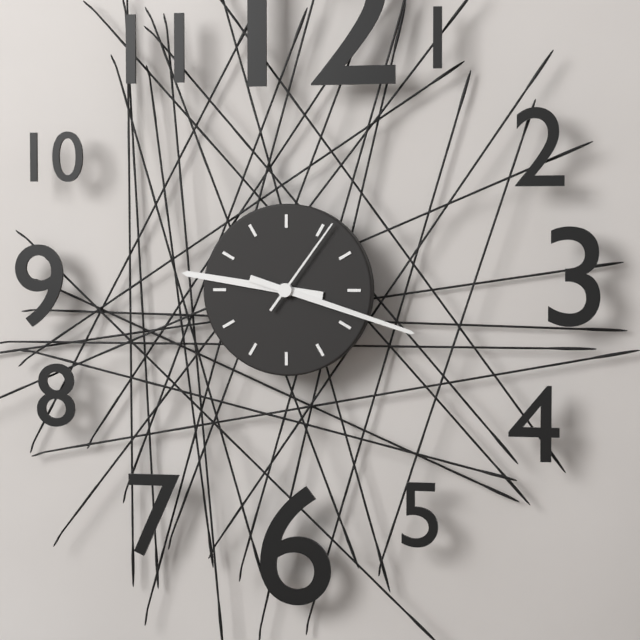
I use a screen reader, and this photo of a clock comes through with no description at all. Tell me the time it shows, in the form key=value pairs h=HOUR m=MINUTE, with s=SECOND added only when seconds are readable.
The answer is h=9 m=18 s=6
